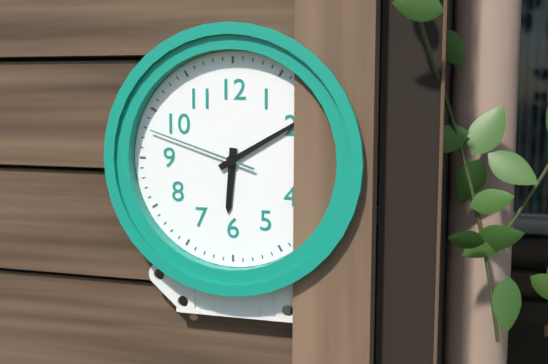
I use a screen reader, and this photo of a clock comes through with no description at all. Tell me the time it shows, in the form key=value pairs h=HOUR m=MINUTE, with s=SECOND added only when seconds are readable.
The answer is h=6 m=10 s=48
